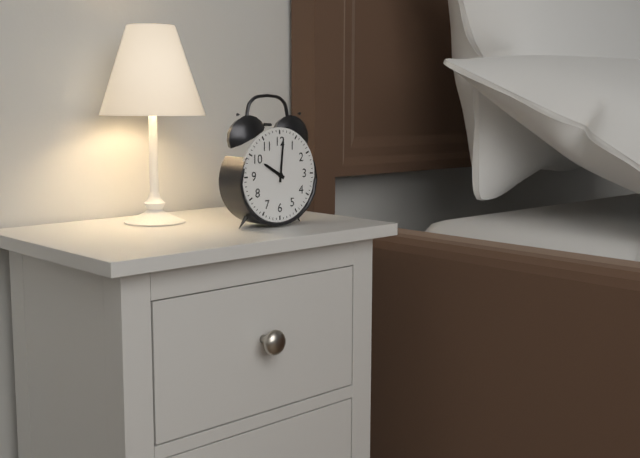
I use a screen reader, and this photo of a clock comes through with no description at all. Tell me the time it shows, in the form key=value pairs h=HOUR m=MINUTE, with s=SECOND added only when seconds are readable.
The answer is h=10 m=1
